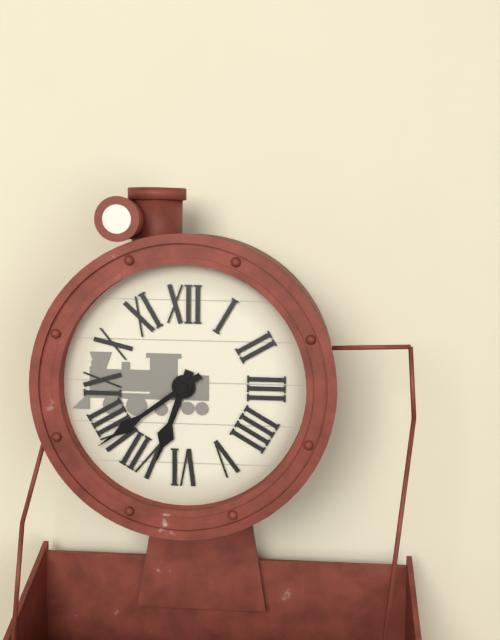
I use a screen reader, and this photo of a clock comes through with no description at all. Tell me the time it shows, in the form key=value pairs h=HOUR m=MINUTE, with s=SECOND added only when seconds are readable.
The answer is h=6 m=39
